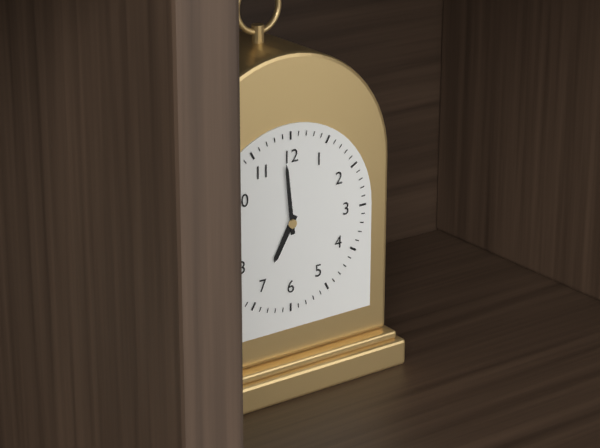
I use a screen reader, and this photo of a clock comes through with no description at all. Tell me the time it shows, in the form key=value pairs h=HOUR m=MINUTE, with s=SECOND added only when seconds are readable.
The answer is h=6 m=59
